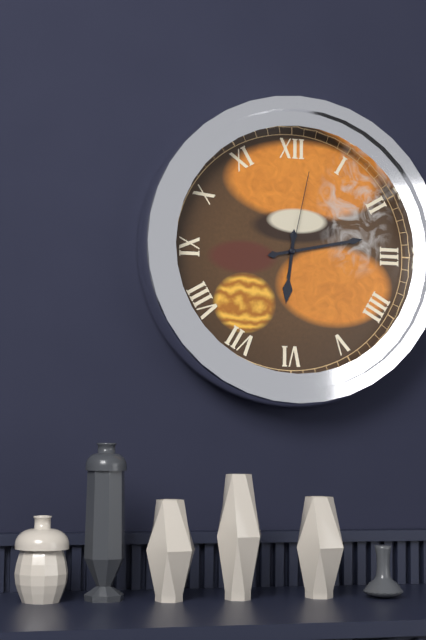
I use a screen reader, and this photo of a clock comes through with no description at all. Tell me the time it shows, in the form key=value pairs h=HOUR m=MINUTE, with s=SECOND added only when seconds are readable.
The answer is h=6 m=13 s=2
